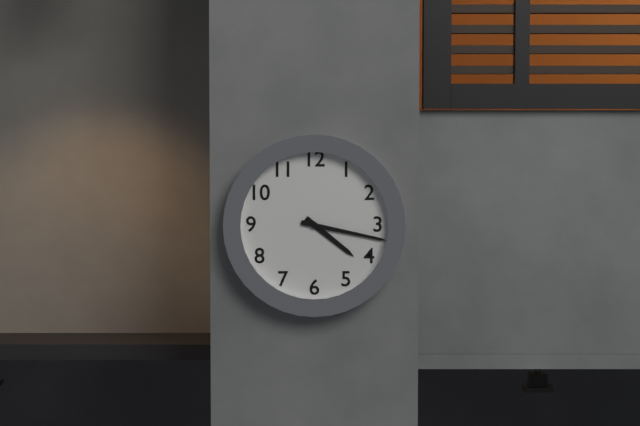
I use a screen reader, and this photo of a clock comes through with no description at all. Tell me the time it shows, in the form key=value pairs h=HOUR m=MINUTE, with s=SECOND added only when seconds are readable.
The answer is h=4 m=17
